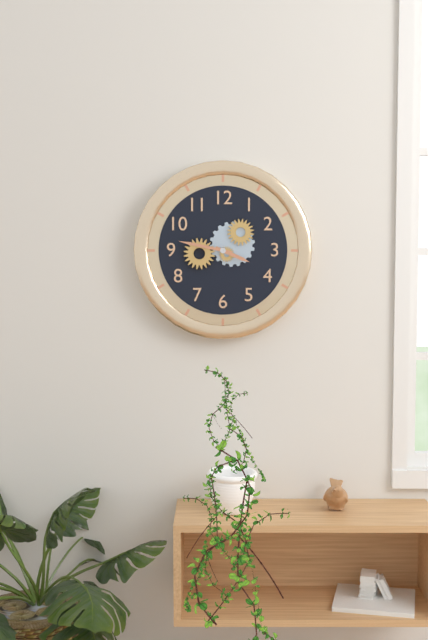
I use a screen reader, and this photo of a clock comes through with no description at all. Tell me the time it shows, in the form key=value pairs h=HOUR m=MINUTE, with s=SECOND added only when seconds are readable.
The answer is h=3 m=47
